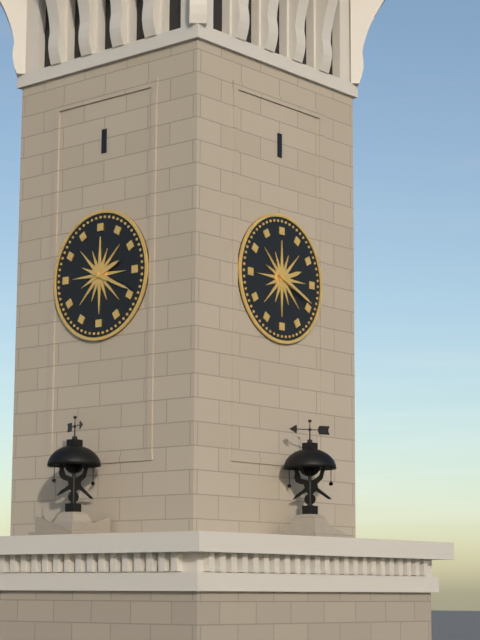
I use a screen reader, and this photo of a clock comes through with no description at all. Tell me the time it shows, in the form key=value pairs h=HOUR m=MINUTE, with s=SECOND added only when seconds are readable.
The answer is h=2 m=19
